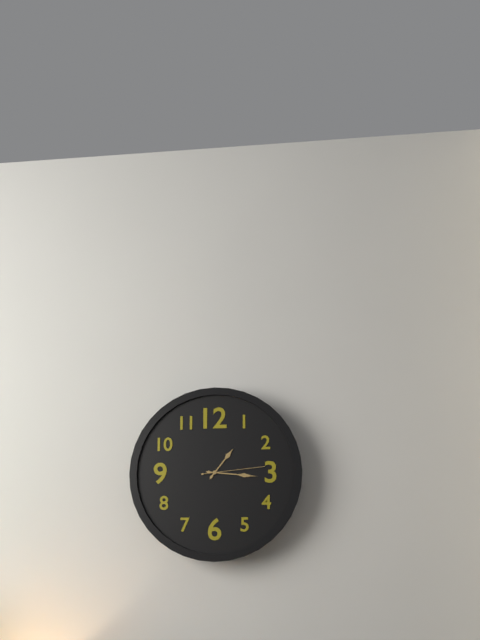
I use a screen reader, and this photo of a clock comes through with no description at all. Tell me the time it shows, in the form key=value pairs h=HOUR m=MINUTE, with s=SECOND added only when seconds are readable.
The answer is h=1 m=16 s=14
